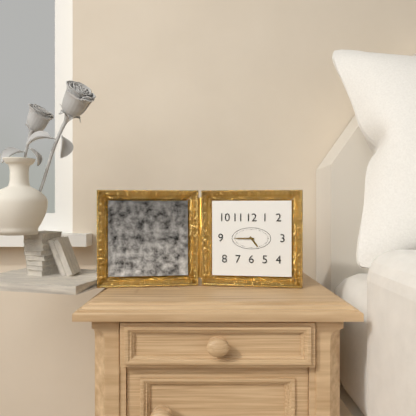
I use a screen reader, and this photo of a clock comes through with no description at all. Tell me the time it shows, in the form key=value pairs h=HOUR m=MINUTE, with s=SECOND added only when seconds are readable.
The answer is h=4 m=45
